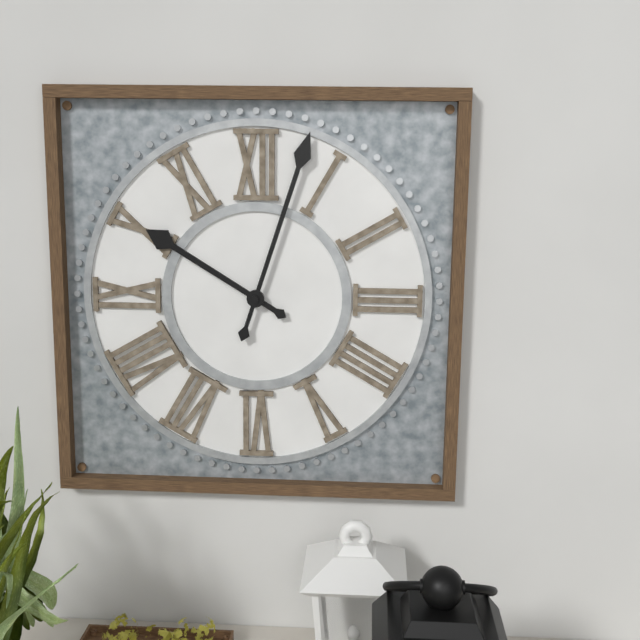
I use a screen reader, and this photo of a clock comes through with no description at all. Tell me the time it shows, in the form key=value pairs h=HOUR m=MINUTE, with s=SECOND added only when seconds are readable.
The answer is h=10 m=3
